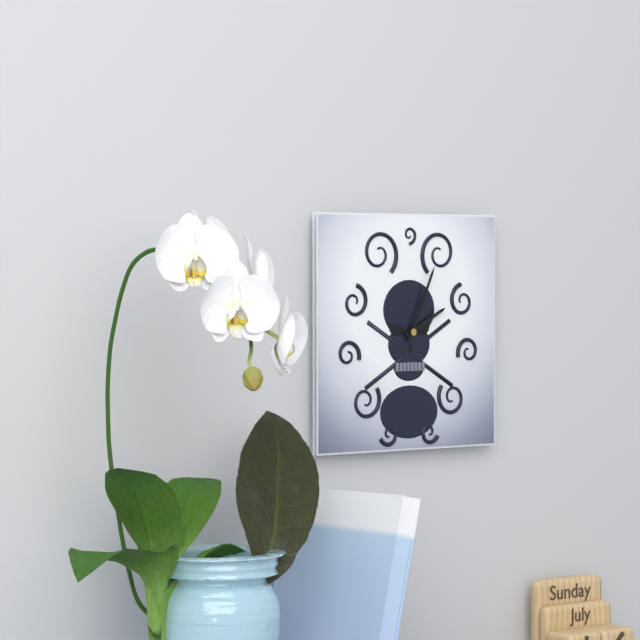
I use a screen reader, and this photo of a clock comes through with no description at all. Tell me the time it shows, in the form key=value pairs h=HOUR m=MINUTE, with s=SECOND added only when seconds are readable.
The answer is h=2 m=4
